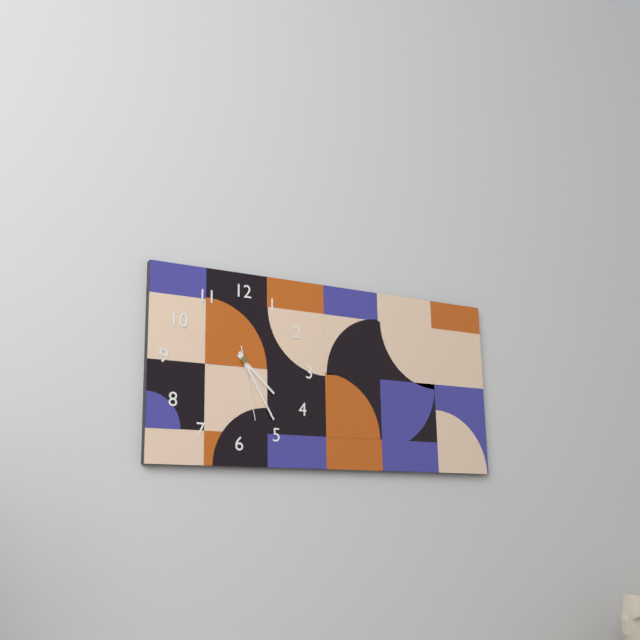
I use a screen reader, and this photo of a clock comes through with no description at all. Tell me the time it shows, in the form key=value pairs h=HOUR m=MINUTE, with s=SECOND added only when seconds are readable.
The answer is h=4 m=25 s=28
